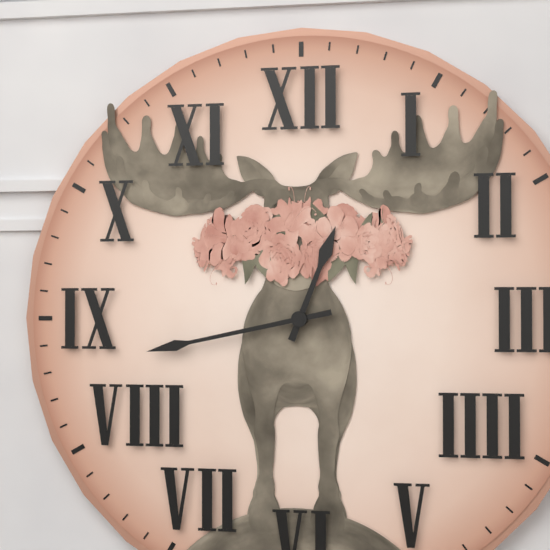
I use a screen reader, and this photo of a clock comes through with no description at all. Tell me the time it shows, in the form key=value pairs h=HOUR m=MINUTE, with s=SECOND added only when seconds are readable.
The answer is h=12 m=43
